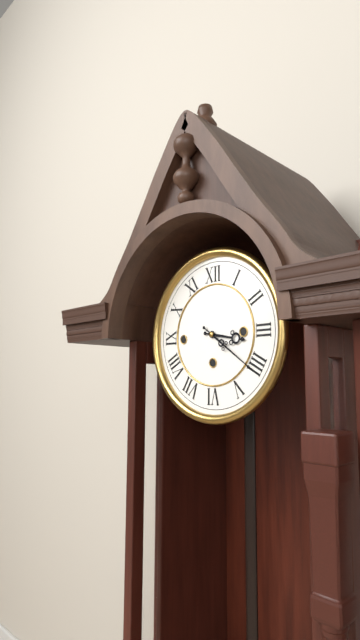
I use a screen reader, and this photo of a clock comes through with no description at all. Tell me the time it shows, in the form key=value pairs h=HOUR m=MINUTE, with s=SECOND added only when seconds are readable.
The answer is h=3 m=21
